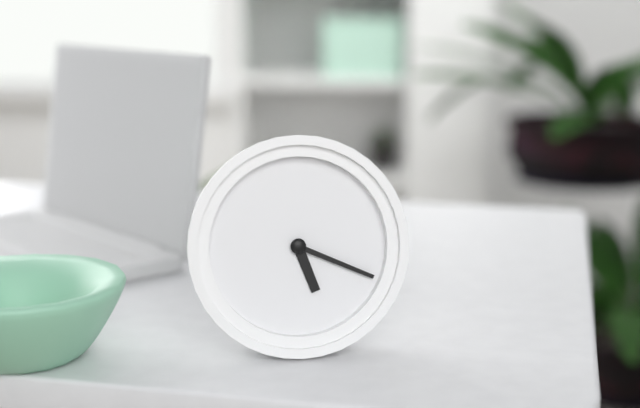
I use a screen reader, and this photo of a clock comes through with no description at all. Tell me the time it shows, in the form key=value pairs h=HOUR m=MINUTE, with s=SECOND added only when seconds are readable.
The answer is h=5 m=19
